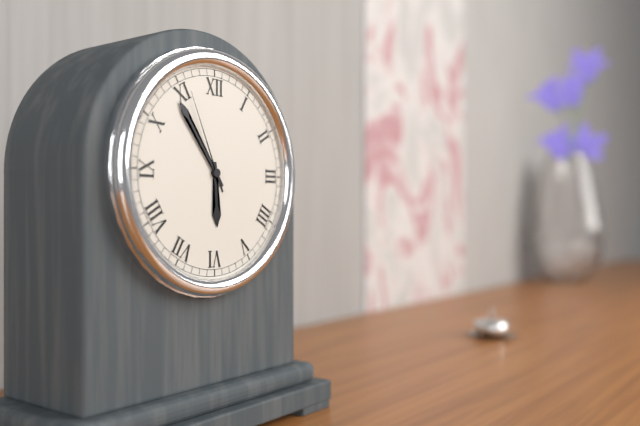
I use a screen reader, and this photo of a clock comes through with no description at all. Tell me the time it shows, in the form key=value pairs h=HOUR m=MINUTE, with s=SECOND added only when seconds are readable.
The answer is h=5 m=54 s=56
